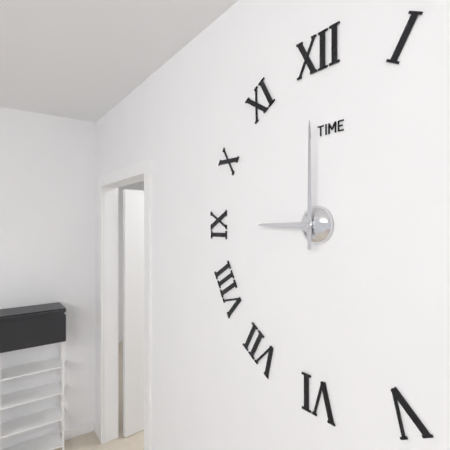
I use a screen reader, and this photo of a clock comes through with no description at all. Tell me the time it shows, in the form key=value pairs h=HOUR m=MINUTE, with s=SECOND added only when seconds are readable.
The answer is h=9 m=0
